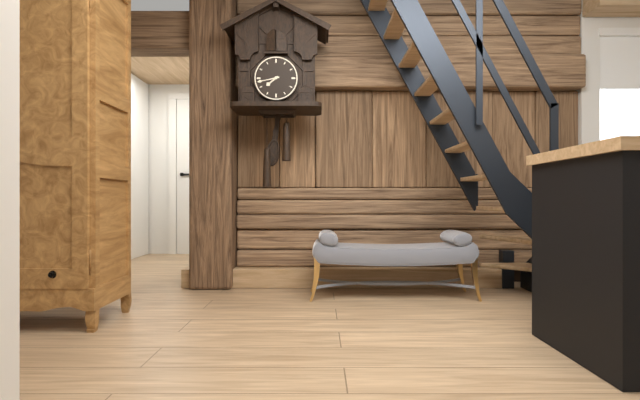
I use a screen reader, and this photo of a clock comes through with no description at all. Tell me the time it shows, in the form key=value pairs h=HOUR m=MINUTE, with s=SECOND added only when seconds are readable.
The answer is h=7 m=43
